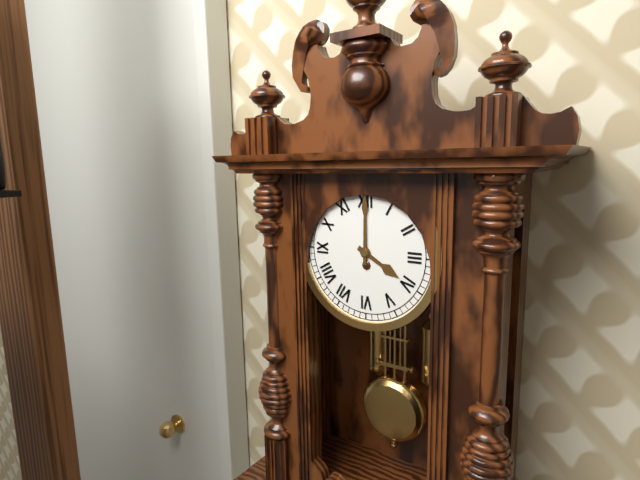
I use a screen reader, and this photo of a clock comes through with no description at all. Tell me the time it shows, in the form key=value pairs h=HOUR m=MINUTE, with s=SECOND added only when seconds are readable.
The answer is h=4 m=0
